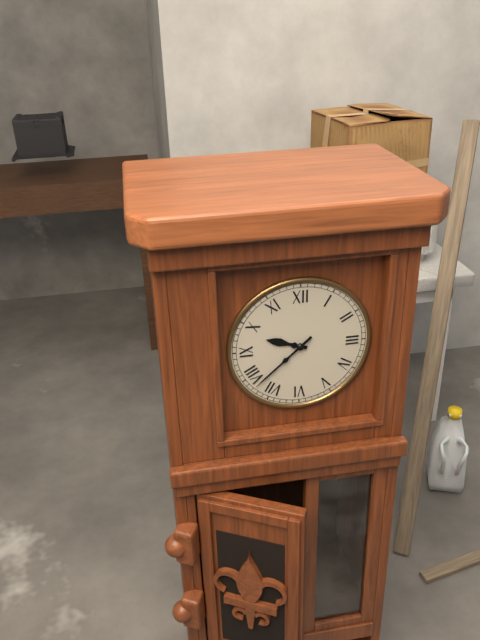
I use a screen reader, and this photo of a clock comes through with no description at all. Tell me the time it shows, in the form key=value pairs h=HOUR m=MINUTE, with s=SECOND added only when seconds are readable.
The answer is h=9 m=38
